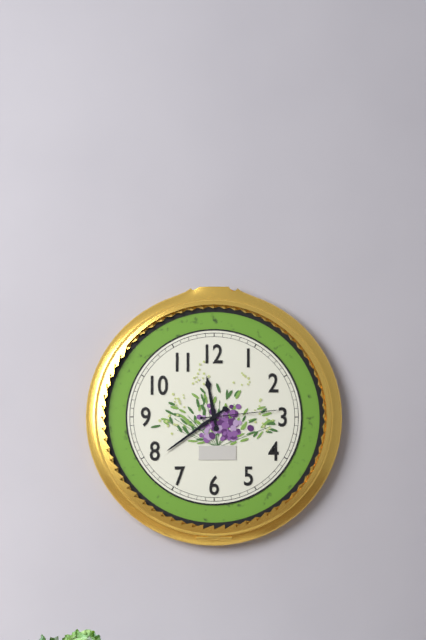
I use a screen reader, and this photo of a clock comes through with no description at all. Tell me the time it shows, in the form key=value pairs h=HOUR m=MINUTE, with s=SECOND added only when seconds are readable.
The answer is h=11 m=39 s=14
